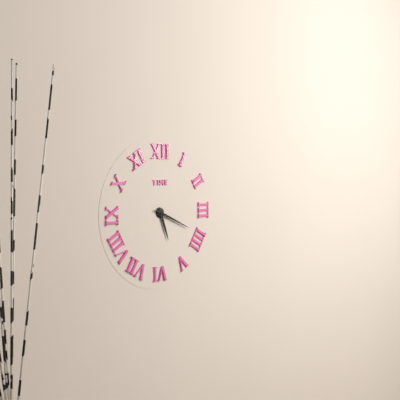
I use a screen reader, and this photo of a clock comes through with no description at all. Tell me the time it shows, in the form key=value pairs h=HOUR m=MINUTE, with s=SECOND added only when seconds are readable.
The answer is h=5 m=19
